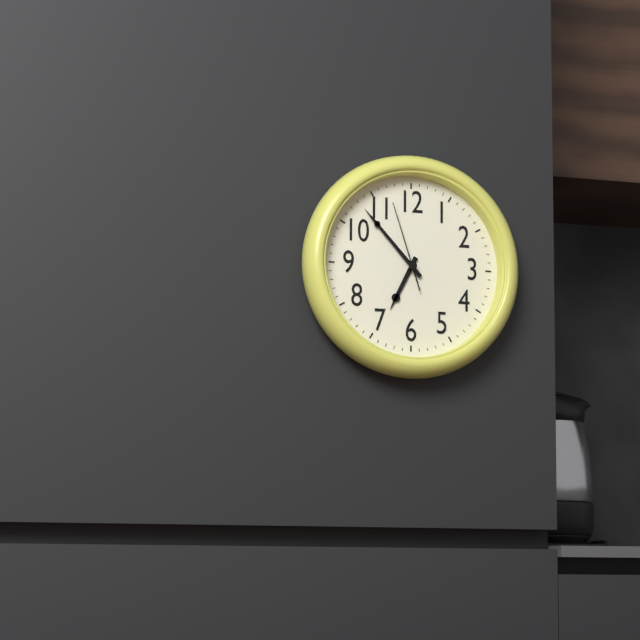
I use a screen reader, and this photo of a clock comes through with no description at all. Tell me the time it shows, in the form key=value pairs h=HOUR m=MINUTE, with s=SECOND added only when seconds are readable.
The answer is h=6 m=53 s=57
